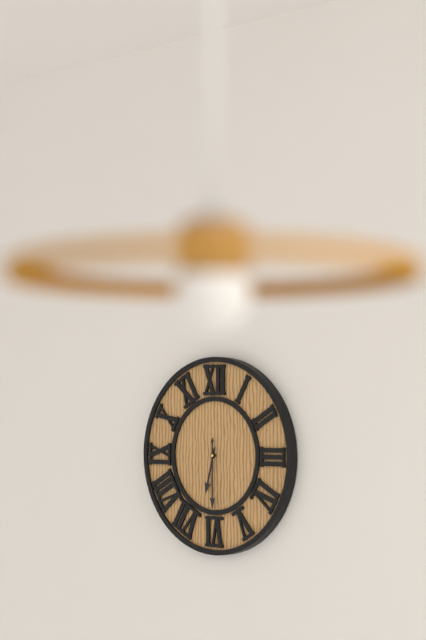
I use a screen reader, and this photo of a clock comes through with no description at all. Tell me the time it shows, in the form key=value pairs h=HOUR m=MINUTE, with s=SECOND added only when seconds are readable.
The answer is h=6 m=30
